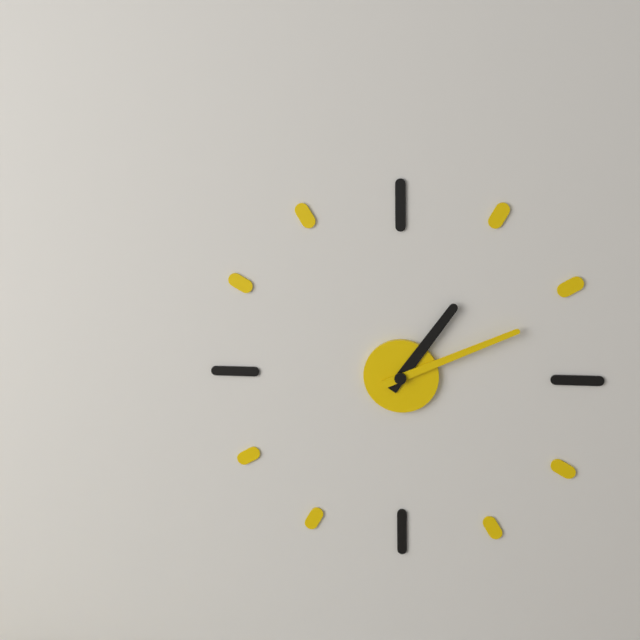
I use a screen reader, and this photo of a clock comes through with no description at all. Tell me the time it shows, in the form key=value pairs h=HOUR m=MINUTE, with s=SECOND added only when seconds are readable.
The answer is h=1 m=11
